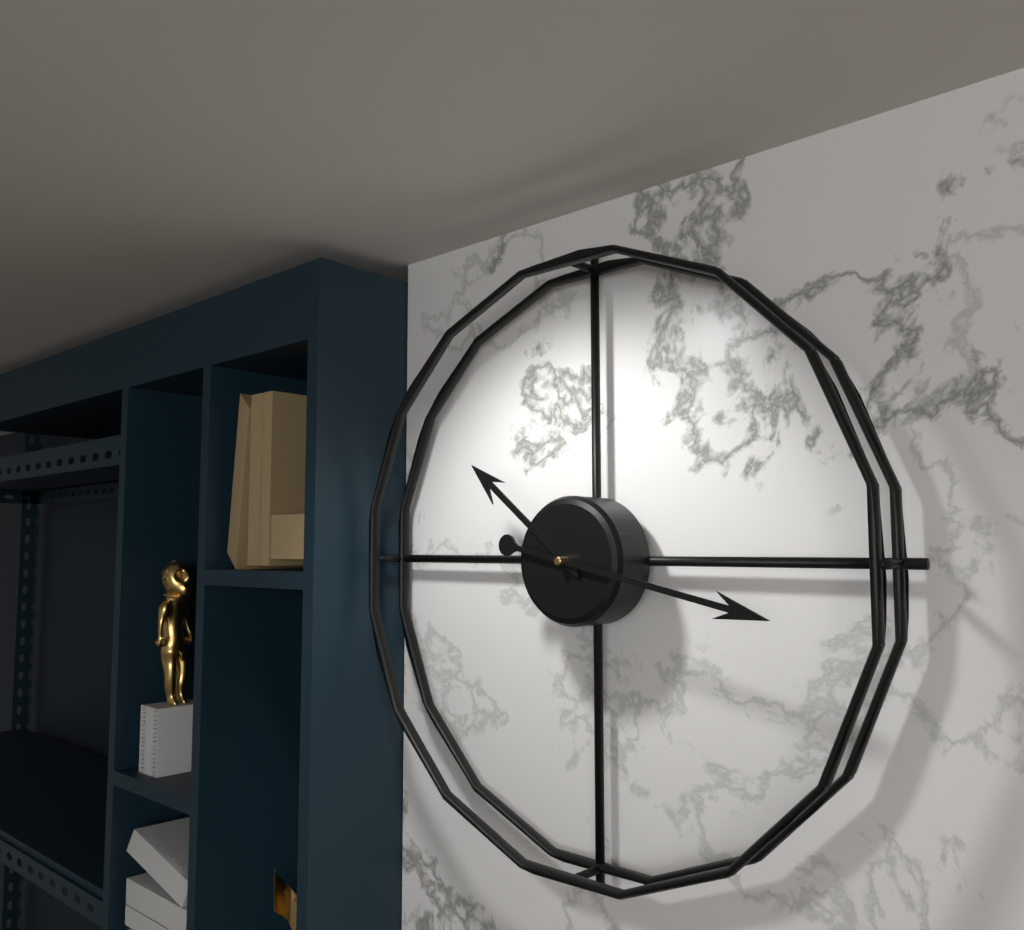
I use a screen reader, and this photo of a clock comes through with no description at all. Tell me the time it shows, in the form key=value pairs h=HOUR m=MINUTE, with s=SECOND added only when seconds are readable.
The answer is h=10 m=17
